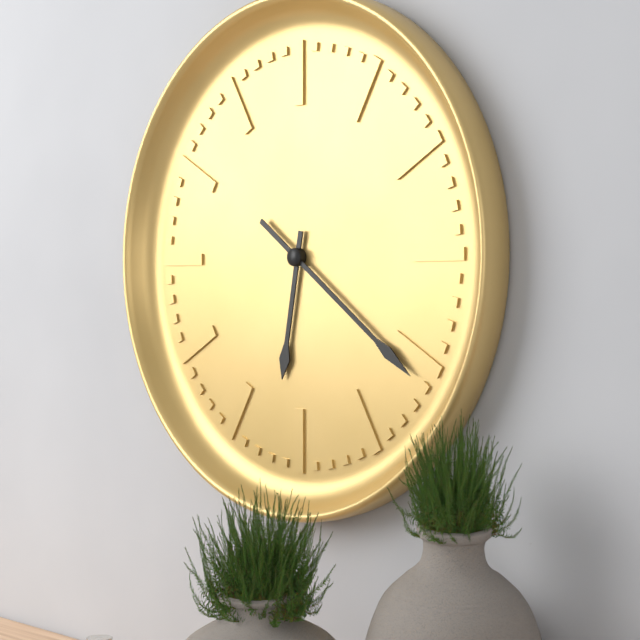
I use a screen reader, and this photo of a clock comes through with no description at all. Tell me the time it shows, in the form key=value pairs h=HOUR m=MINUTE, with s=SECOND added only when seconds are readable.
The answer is h=6 m=21
